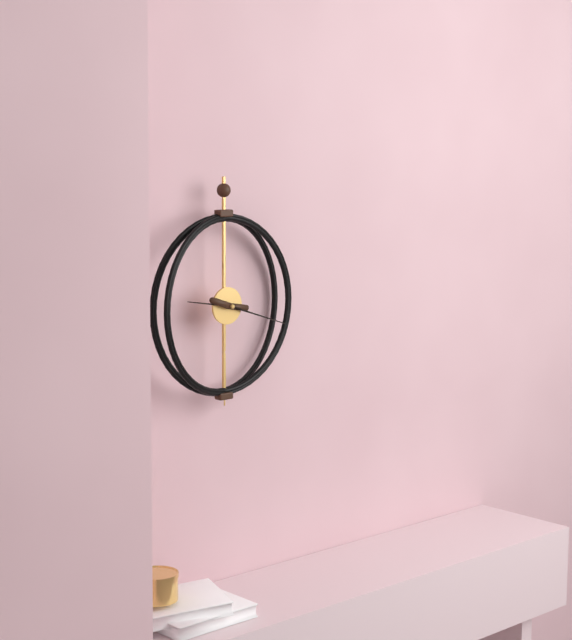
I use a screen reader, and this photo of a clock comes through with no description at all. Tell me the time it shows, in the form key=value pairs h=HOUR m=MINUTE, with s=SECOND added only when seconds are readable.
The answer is h=9 m=18
